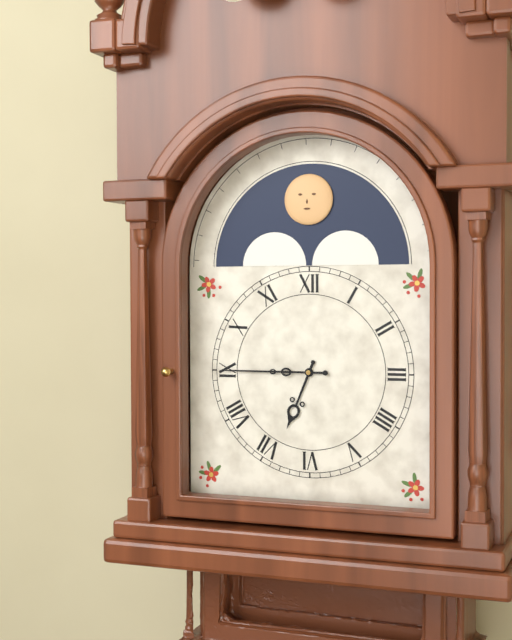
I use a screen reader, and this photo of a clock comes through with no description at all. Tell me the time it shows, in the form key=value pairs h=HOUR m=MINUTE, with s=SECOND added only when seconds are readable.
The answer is h=6 m=45
